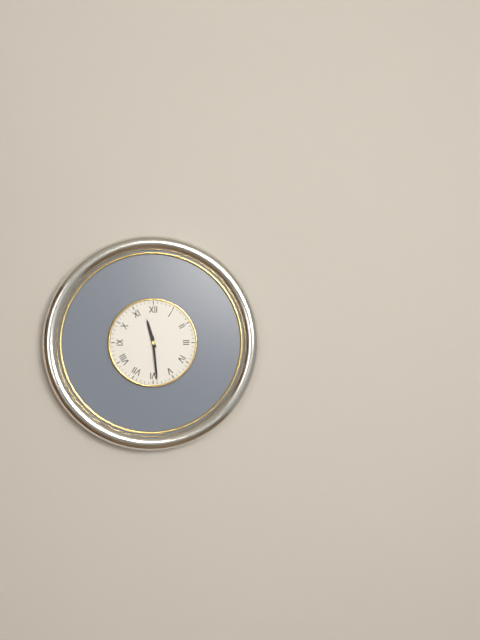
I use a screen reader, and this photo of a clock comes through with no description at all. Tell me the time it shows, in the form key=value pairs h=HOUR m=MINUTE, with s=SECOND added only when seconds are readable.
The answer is h=11 m=29
